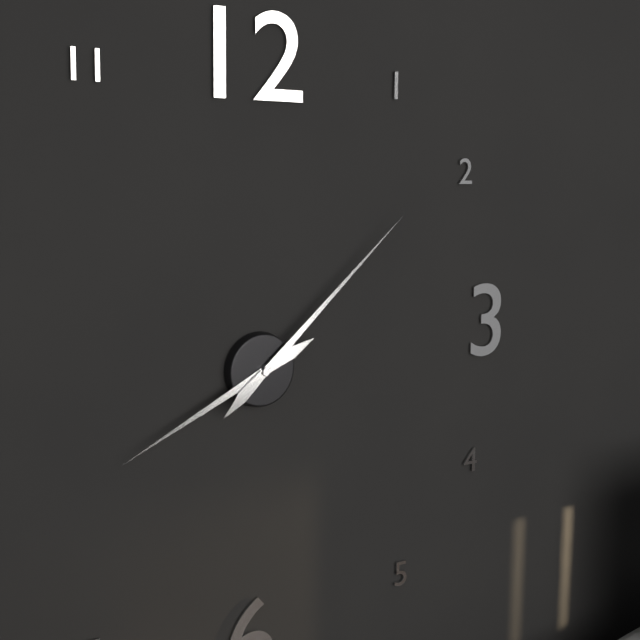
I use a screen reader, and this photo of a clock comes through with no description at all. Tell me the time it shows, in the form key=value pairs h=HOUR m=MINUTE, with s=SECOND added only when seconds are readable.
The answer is h=8 m=8
